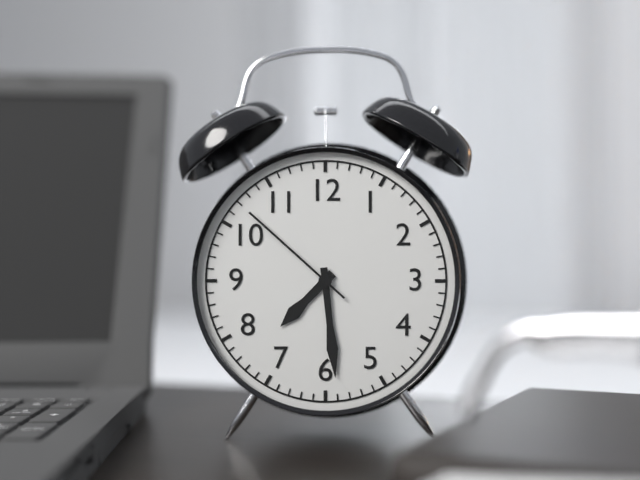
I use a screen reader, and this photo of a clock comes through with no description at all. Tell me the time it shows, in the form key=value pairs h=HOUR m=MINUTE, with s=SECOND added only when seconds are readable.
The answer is h=7 m=29 s=52
